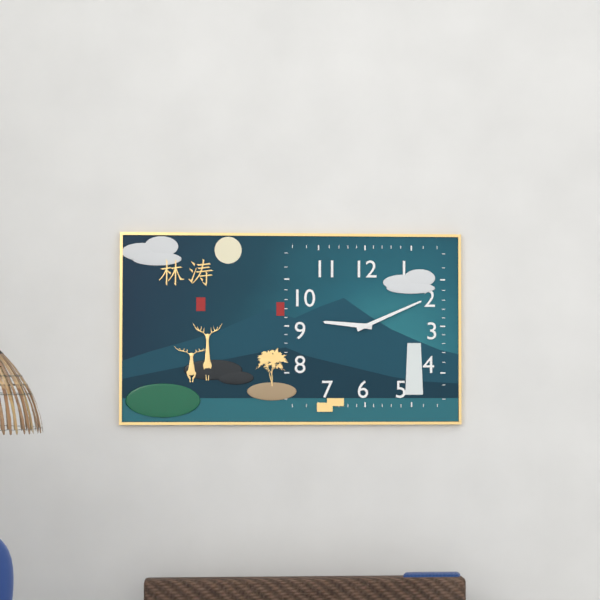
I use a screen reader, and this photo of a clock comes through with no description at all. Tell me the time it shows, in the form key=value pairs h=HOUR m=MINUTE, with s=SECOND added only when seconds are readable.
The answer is h=9 m=11
